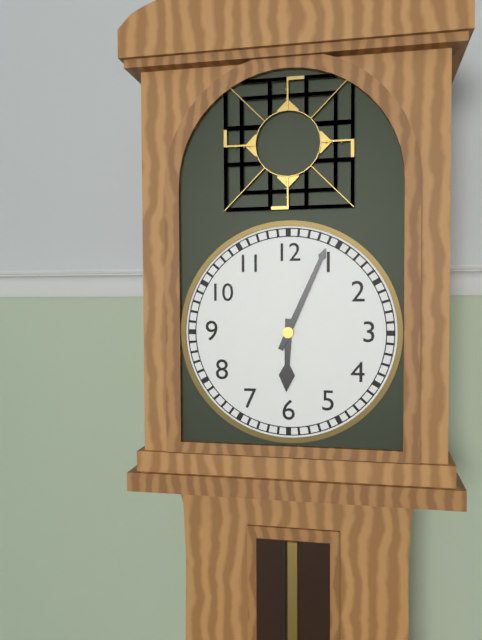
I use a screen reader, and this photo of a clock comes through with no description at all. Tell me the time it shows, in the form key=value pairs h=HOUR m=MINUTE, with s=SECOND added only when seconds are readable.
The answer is h=6 m=4
